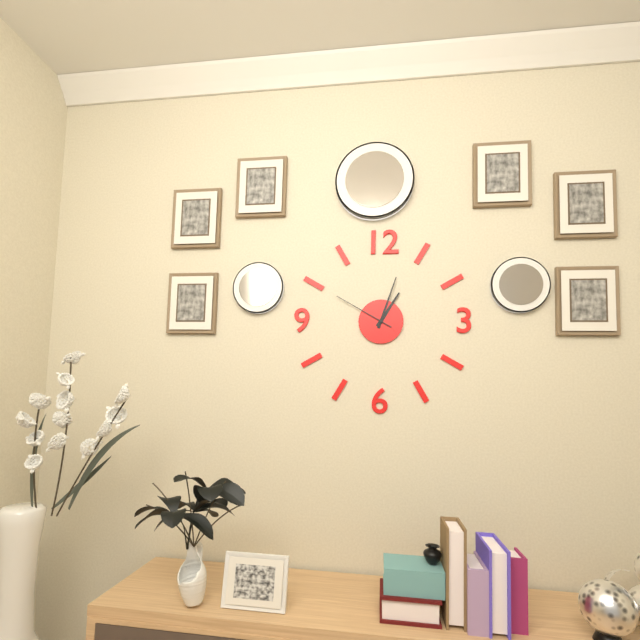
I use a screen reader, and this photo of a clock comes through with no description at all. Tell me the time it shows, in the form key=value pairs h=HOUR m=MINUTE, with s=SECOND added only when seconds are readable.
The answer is h=1 m=3 s=50
